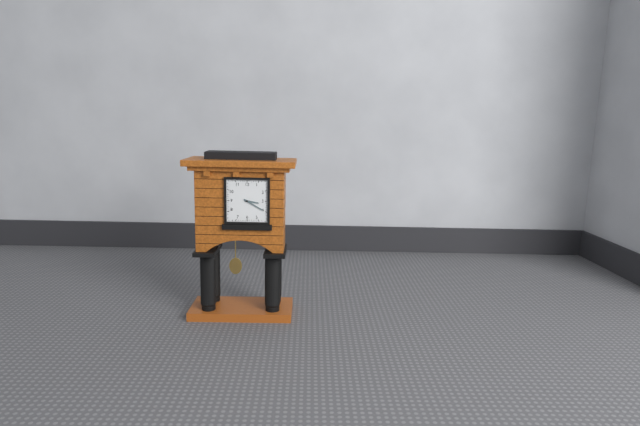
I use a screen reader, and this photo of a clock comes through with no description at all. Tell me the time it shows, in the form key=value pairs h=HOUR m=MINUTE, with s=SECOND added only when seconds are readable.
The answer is h=3 m=20
